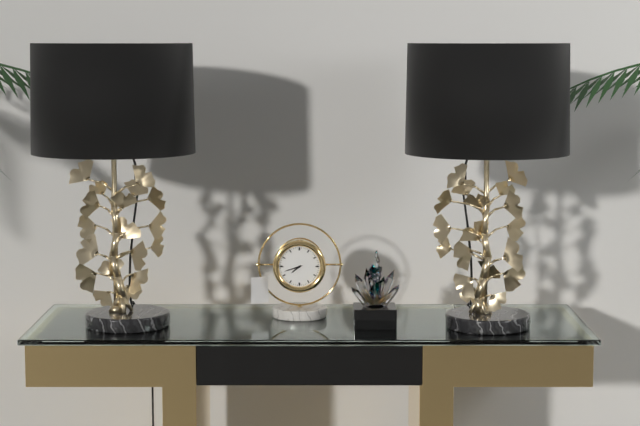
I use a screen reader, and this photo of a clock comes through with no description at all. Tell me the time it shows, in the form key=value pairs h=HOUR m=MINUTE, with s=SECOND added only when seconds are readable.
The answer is h=7 m=42
